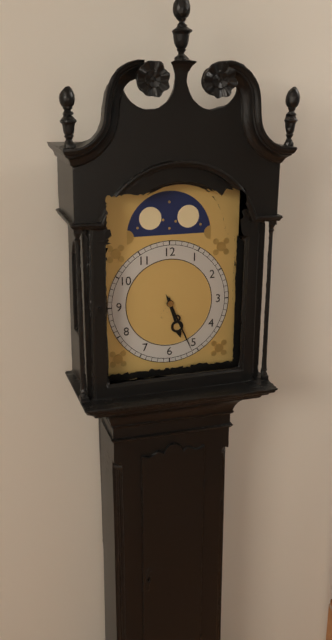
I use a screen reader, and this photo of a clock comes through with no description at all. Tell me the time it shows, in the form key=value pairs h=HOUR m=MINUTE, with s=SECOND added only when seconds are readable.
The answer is h=5 m=26
